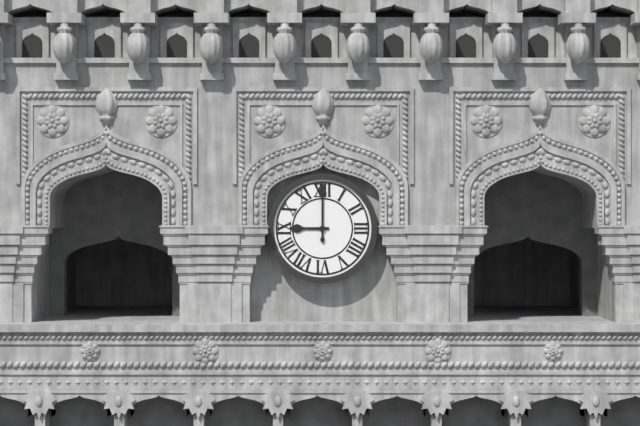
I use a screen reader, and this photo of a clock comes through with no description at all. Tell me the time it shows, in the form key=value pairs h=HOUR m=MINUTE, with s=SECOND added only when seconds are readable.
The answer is h=9 m=0
